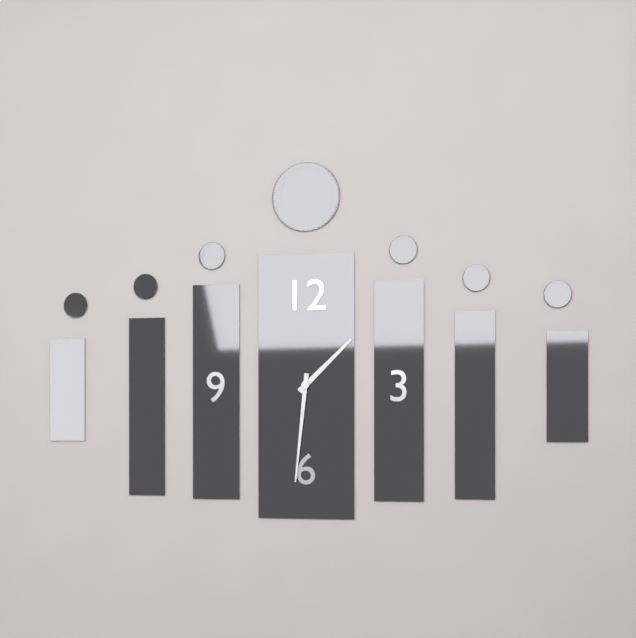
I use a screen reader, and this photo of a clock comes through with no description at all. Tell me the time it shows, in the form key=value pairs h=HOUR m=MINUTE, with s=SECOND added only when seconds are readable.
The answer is h=1 m=31
